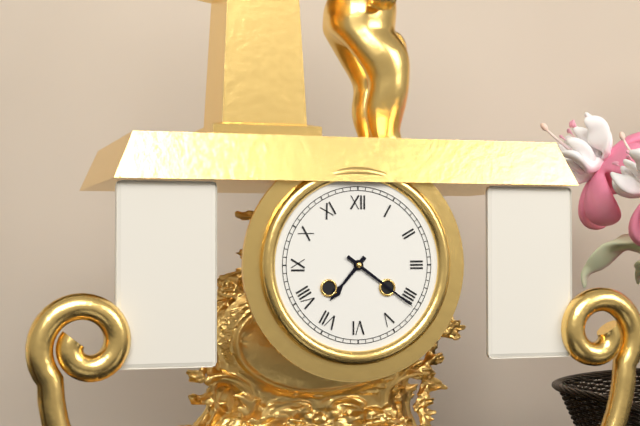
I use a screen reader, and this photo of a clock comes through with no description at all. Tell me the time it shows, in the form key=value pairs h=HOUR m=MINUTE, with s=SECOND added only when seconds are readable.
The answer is h=7 m=21
